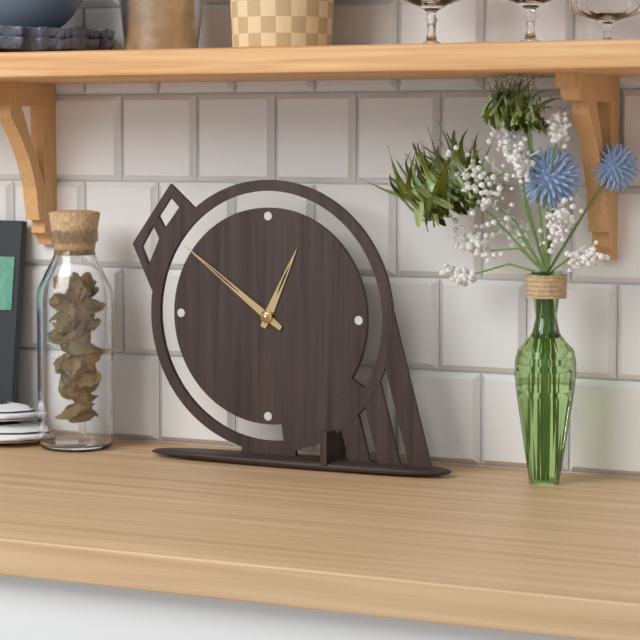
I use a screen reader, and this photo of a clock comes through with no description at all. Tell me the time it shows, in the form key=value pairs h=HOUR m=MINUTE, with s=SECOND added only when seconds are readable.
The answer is h=12 m=51
